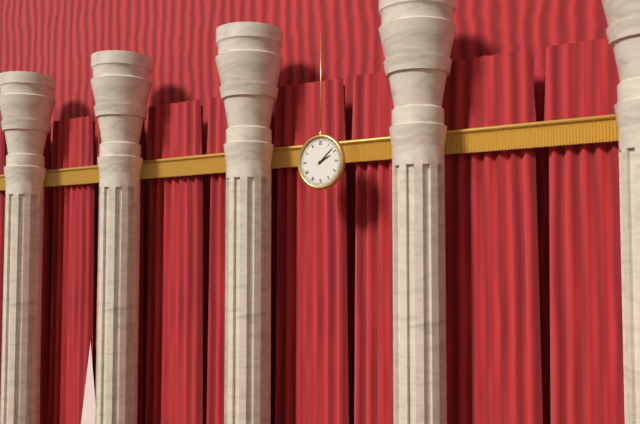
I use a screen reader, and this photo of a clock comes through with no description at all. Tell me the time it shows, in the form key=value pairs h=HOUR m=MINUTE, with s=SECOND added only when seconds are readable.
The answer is h=2 m=8
